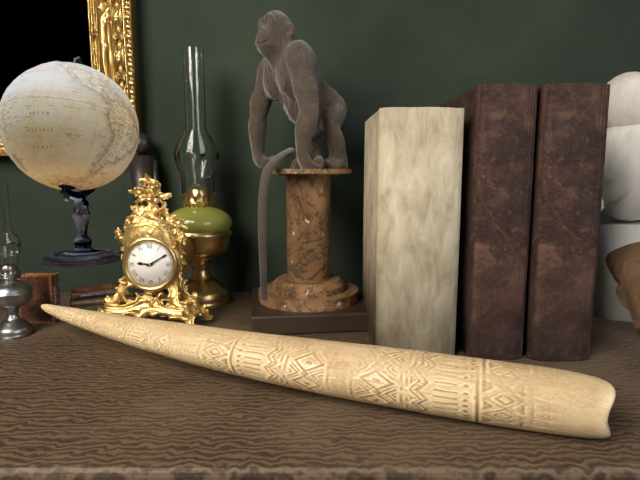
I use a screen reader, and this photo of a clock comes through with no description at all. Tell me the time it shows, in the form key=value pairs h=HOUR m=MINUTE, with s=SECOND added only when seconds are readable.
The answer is h=9 m=10
